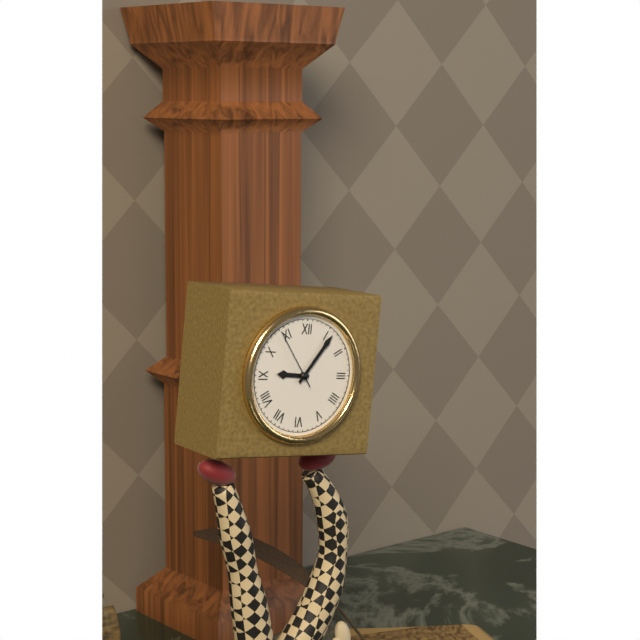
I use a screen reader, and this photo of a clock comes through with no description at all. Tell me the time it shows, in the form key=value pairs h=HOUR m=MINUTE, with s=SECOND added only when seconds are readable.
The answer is h=9 m=6
